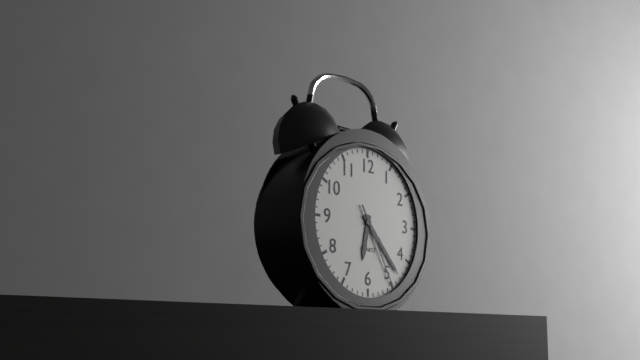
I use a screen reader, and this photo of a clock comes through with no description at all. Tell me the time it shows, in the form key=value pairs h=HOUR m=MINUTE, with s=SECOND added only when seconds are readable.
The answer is h=6 m=23 s=25
